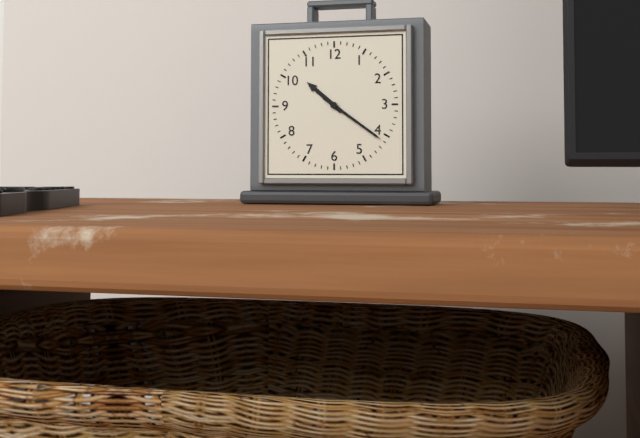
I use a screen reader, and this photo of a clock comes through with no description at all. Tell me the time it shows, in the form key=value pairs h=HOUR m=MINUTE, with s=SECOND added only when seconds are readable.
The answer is h=10 m=21
